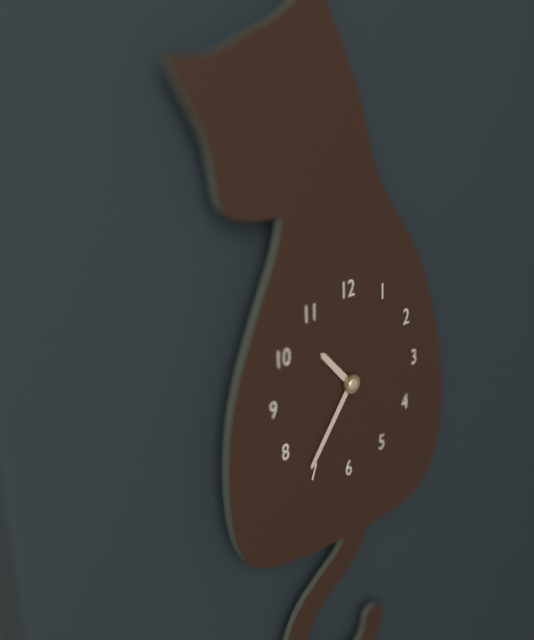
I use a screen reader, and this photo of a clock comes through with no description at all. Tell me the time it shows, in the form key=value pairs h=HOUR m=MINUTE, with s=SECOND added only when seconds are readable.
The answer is h=10 m=36
